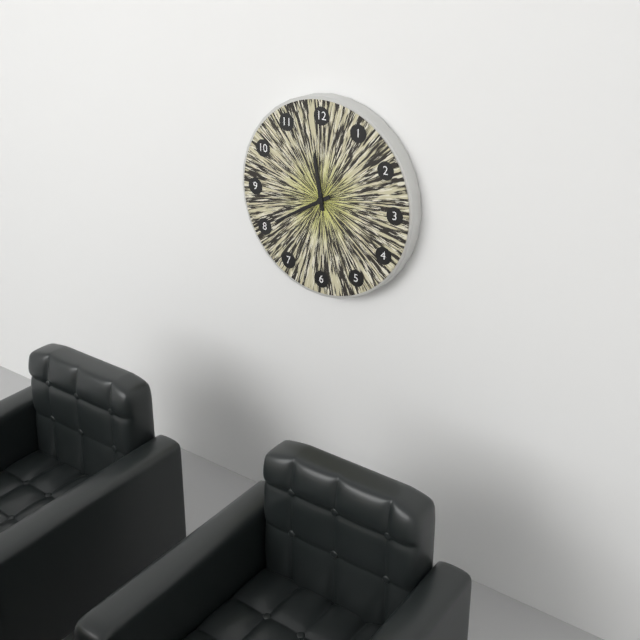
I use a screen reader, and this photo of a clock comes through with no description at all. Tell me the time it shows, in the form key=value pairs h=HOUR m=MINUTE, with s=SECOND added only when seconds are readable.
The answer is h=11 m=40
